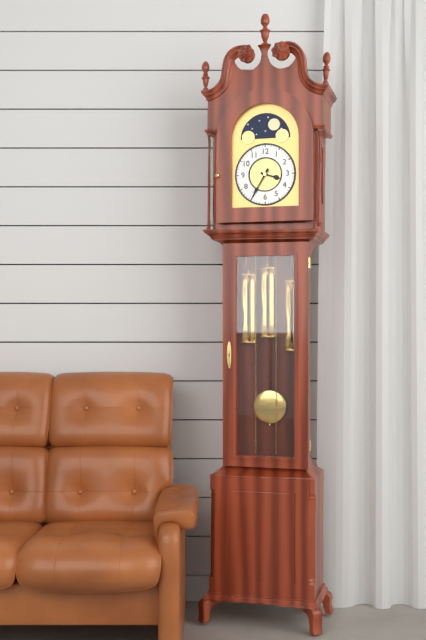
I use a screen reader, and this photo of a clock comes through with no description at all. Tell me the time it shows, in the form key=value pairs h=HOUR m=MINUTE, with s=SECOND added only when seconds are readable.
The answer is h=3 m=35
